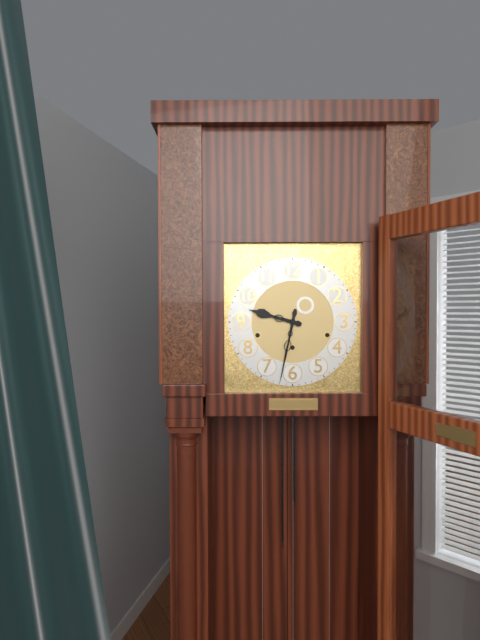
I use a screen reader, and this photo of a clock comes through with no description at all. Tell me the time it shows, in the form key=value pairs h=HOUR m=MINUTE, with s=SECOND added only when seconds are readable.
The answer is h=9 m=32
